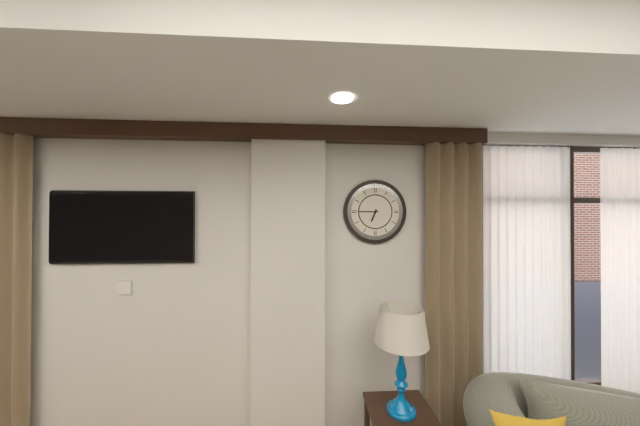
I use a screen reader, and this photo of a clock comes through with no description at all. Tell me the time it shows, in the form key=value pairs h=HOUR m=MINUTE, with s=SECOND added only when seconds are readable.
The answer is h=6 m=45
